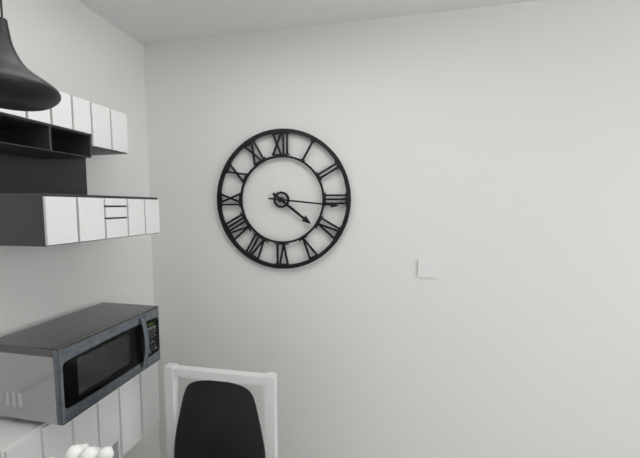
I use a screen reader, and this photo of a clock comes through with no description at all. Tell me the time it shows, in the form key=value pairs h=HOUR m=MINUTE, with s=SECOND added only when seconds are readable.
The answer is h=4 m=16
